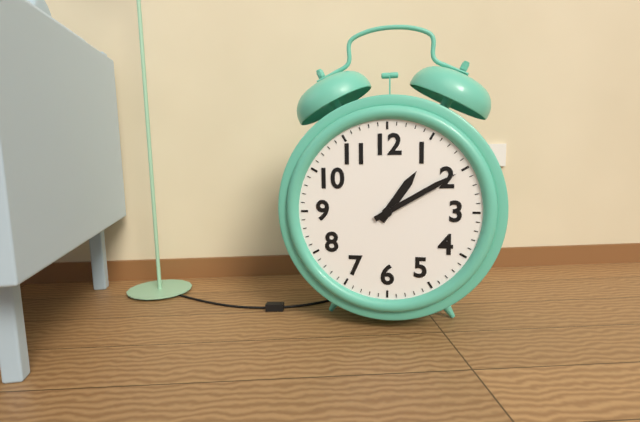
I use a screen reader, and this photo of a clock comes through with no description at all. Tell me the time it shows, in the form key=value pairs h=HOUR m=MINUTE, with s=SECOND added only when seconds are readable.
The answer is h=1 m=10
